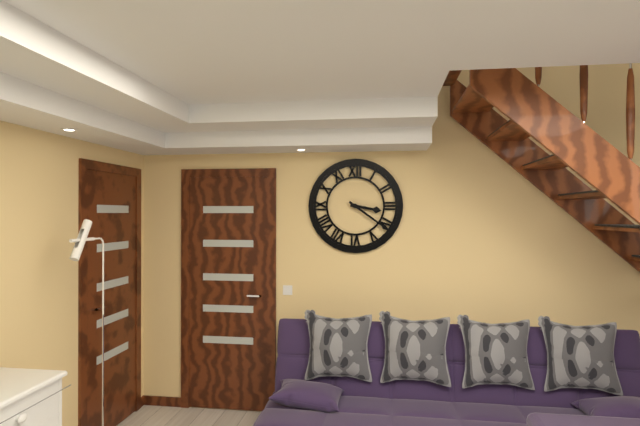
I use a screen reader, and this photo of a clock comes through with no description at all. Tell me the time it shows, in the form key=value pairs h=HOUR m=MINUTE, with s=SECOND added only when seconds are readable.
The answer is h=3 m=21
